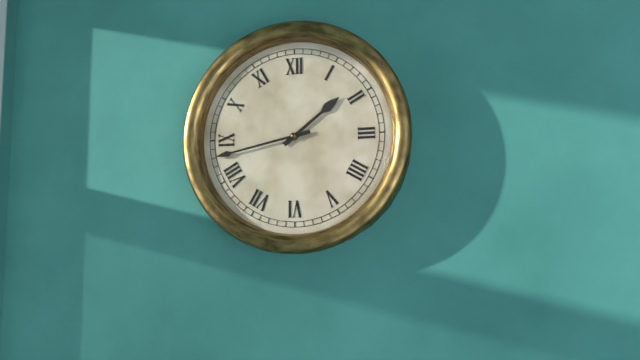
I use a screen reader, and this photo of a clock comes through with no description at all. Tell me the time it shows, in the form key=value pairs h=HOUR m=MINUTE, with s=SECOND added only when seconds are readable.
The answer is h=1 m=43
